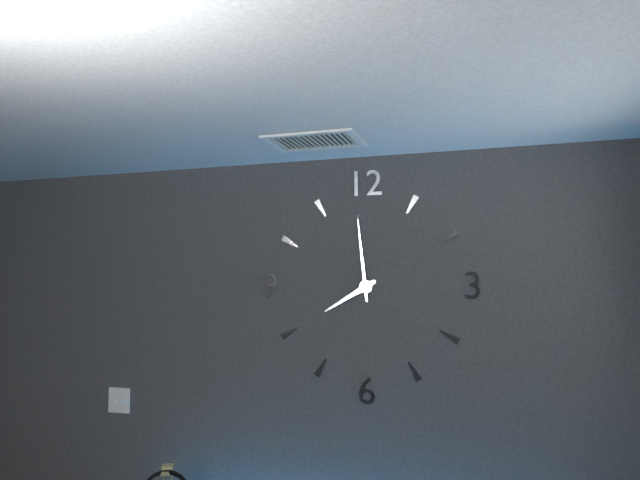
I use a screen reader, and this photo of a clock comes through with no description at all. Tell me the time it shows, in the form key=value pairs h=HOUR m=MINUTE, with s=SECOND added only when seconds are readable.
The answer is h=7 m=59
